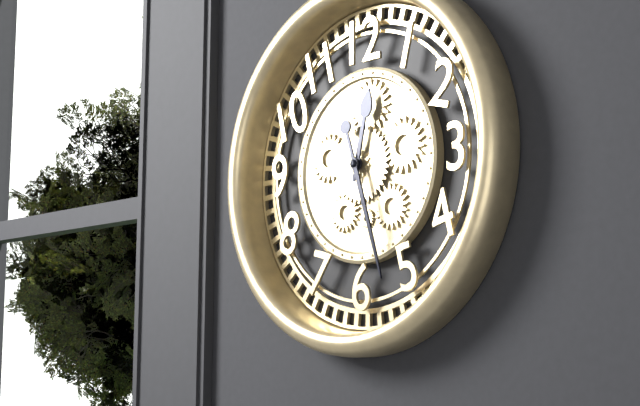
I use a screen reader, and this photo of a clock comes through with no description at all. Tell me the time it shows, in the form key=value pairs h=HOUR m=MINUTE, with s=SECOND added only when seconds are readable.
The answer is h=12 m=27
